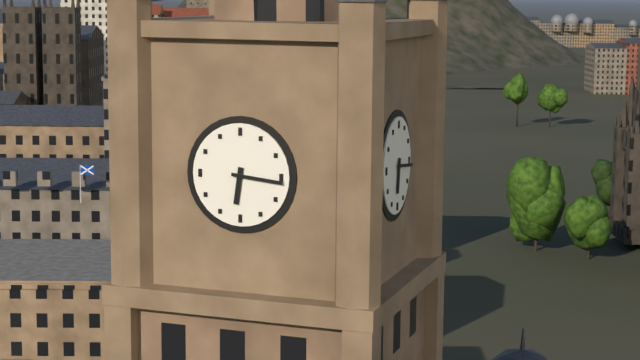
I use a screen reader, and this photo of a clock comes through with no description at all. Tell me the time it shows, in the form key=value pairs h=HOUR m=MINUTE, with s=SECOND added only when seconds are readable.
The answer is h=6 m=16
